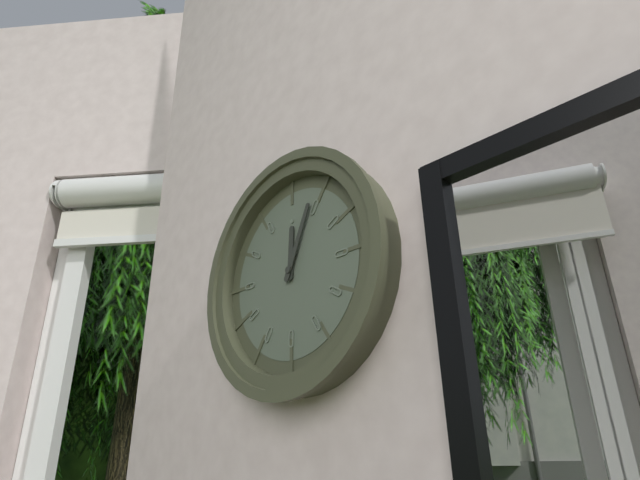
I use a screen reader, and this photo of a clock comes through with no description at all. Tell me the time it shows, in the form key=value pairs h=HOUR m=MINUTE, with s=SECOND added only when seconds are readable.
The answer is h=12 m=4
